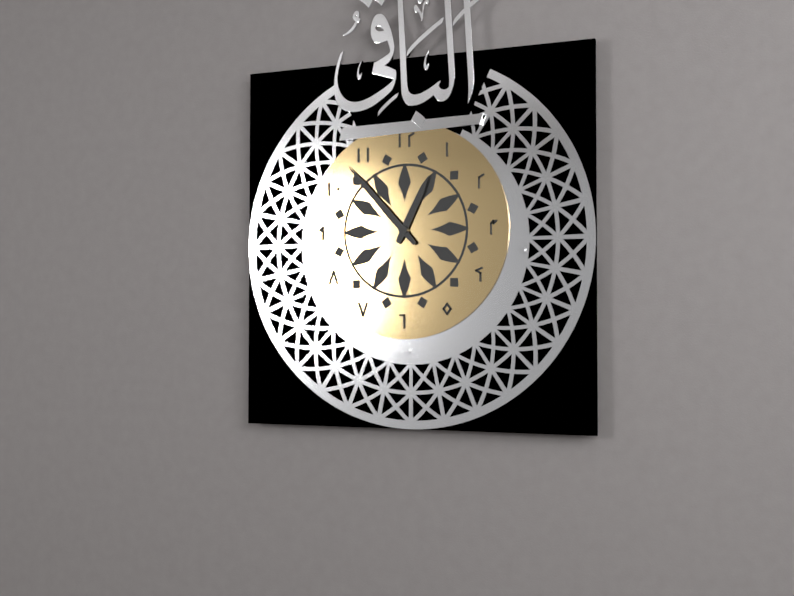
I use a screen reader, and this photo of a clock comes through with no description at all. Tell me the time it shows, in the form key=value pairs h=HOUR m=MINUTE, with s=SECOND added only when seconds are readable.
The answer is h=12 m=53
